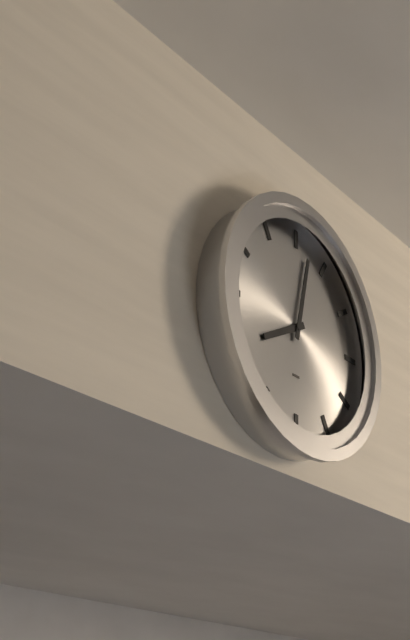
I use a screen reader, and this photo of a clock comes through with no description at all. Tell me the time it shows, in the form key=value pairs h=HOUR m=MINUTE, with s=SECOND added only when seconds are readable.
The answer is h=8 m=2
